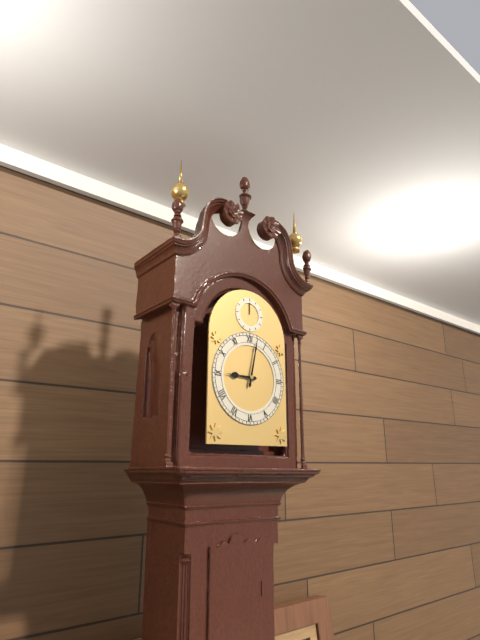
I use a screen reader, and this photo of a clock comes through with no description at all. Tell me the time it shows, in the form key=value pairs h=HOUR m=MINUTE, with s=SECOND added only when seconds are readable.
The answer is h=9 m=2
